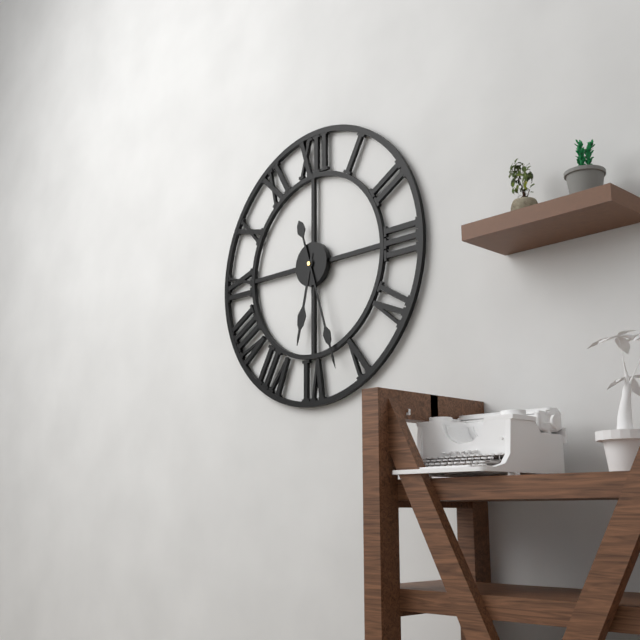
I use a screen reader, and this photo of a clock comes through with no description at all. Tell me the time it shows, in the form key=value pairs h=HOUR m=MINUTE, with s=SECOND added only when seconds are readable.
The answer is h=6 m=27
